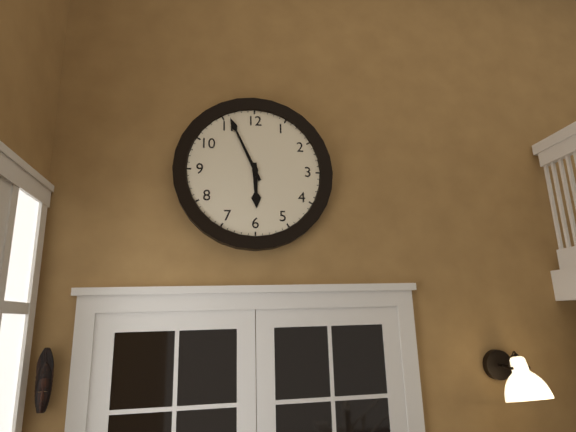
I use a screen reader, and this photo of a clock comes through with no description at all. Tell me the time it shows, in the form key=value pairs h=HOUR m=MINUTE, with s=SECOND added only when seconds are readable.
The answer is h=5 m=56
